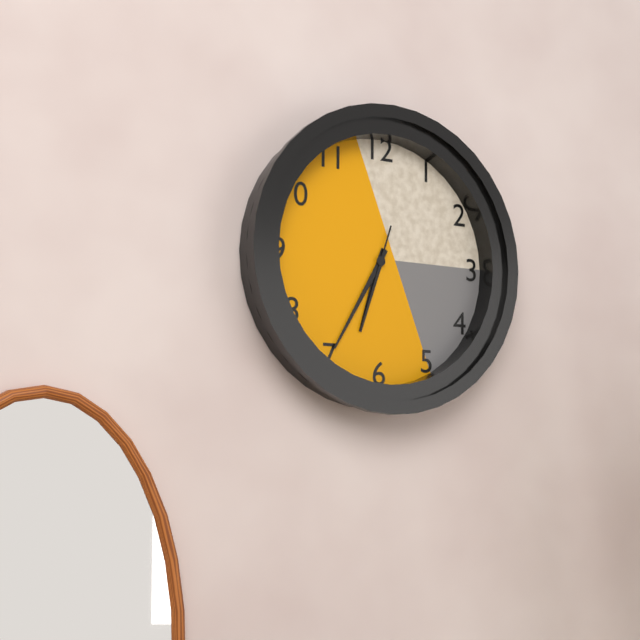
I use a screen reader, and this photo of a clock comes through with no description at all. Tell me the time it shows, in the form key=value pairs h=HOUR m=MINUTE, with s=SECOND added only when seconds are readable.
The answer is h=6 m=35 s=33
